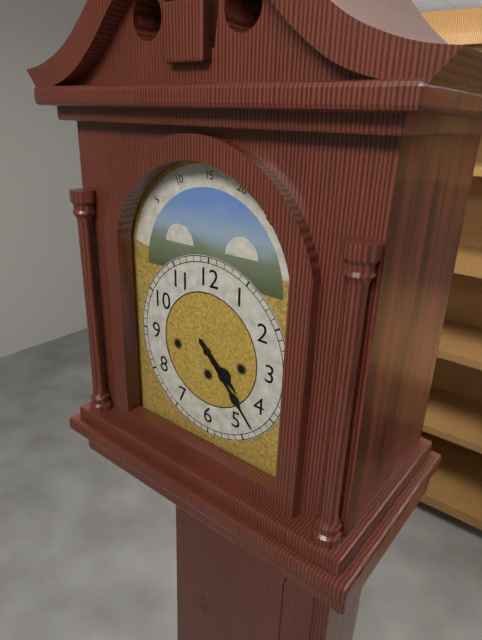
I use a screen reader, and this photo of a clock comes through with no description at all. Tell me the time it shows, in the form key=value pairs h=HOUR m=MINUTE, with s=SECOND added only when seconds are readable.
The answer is h=4 m=23
